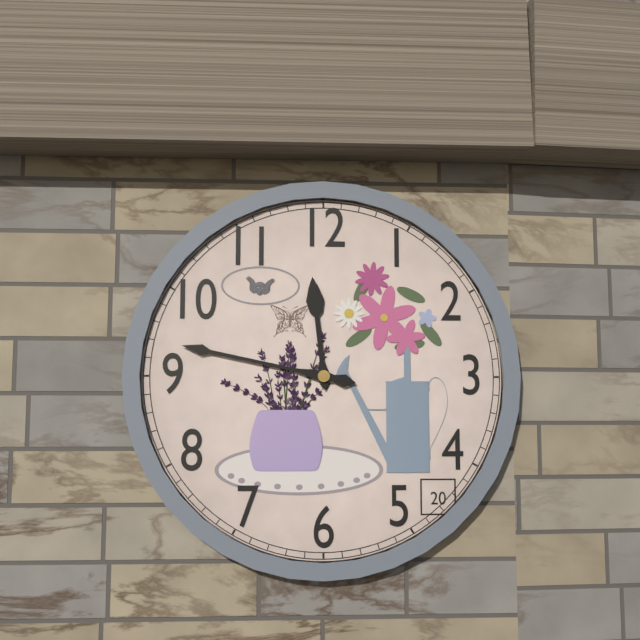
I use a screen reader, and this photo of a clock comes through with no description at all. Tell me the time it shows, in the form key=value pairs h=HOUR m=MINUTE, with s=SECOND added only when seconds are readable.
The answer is h=11 m=47
